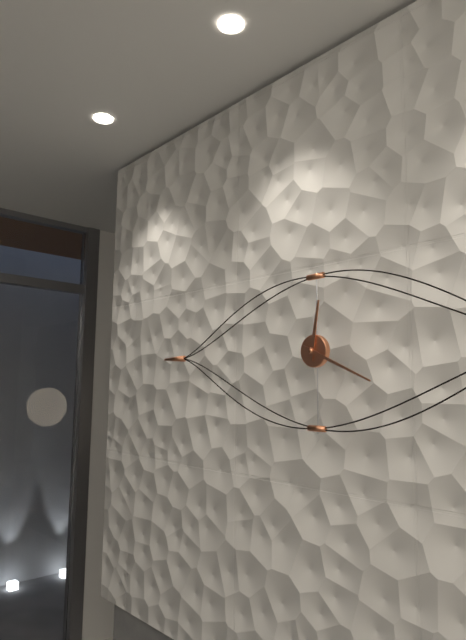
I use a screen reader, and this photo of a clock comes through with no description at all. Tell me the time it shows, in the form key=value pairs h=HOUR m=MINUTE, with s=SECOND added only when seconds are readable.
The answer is h=12 m=19
